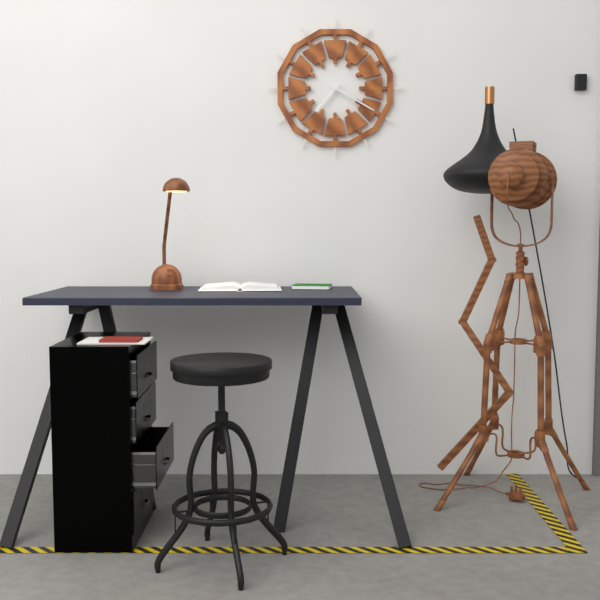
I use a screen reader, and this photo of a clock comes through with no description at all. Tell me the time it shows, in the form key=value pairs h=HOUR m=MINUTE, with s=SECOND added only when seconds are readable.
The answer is h=7 m=20
